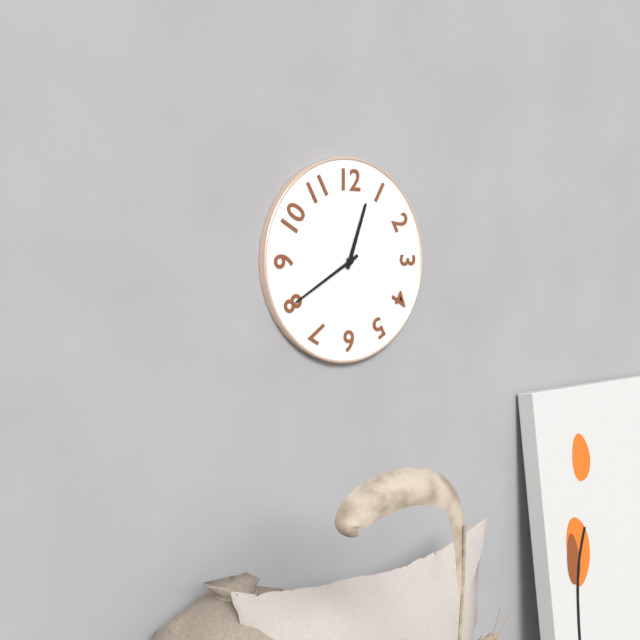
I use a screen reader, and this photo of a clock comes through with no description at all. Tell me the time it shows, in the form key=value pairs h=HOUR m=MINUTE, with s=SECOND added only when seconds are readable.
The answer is h=12 m=40
